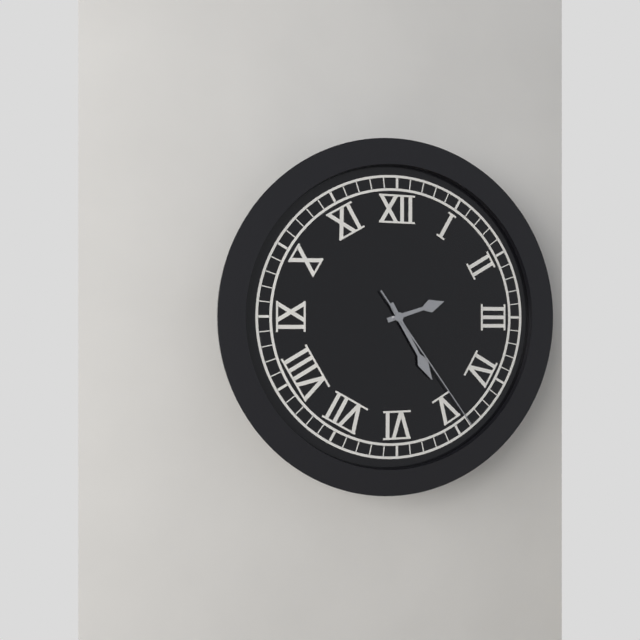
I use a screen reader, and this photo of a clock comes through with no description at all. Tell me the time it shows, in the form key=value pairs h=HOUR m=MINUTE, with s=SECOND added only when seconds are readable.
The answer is h=2 m=25 s=24
